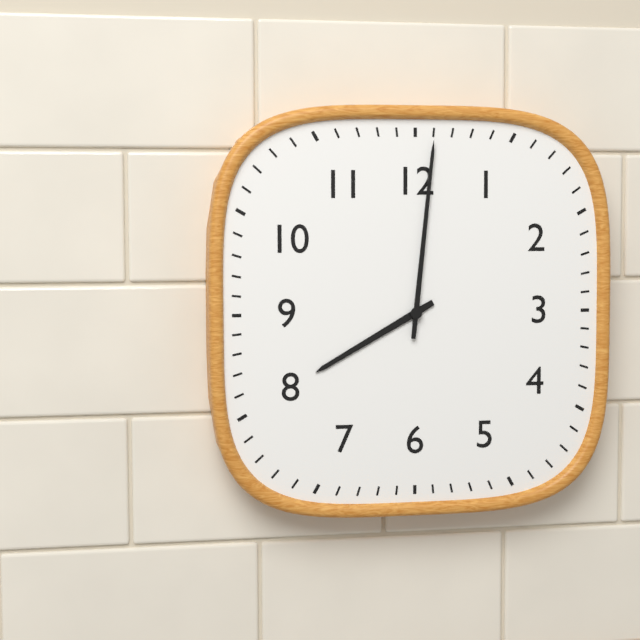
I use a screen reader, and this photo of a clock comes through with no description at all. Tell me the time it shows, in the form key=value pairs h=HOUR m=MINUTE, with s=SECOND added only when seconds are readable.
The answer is h=8 m=1
